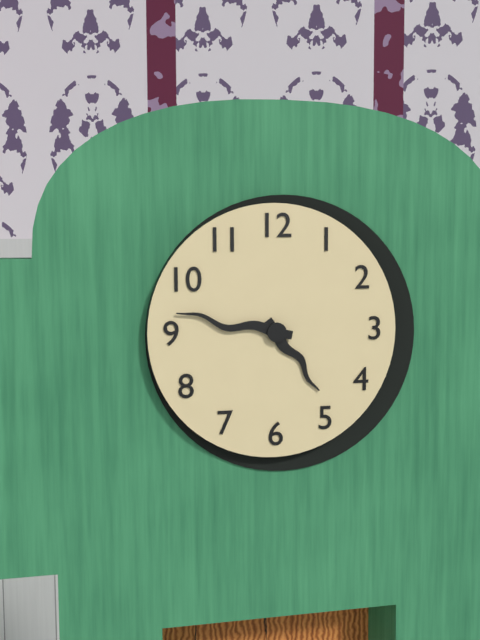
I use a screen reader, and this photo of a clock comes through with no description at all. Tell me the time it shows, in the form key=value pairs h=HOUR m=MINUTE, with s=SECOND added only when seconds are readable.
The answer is h=4 m=47
